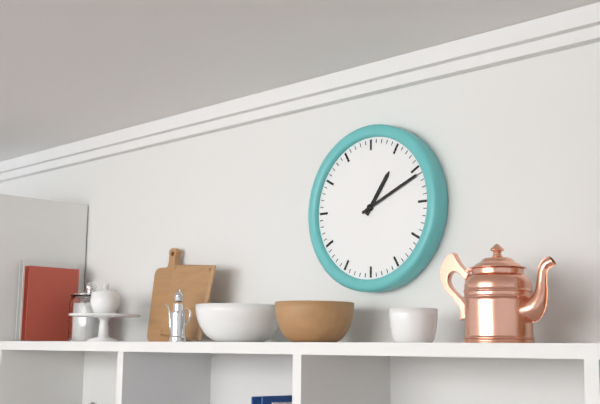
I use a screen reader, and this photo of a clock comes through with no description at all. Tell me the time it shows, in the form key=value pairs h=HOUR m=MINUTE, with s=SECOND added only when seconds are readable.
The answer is h=1 m=11
